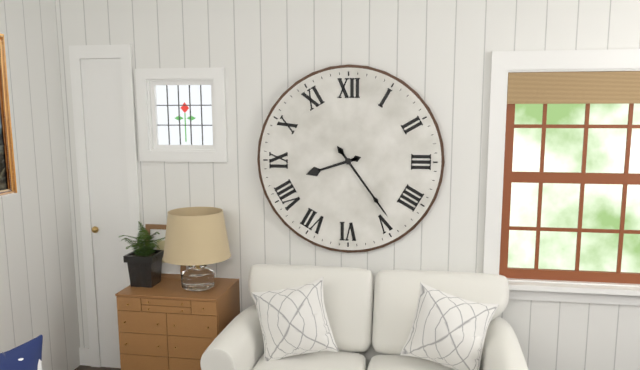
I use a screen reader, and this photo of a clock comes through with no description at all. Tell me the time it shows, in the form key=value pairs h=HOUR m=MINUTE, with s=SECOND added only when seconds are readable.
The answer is h=8 m=24
